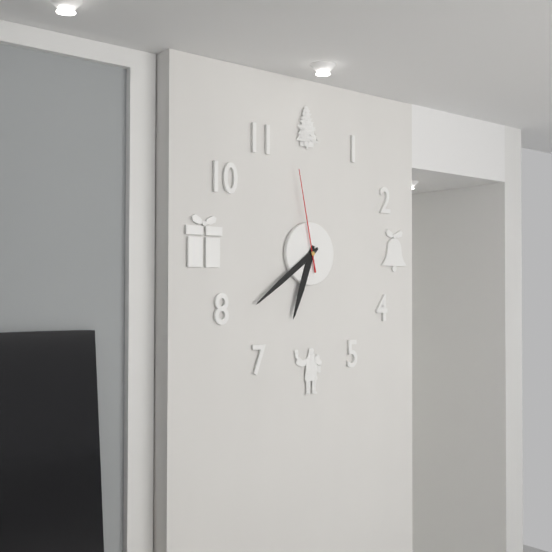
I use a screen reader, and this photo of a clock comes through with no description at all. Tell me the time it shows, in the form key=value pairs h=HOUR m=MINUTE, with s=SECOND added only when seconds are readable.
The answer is h=6 m=39 s=58
